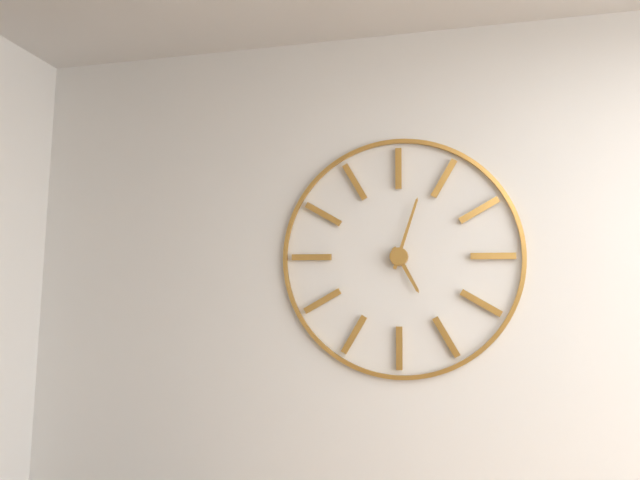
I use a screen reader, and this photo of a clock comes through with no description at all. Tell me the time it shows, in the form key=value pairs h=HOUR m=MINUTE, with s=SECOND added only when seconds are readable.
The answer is h=5 m=3
